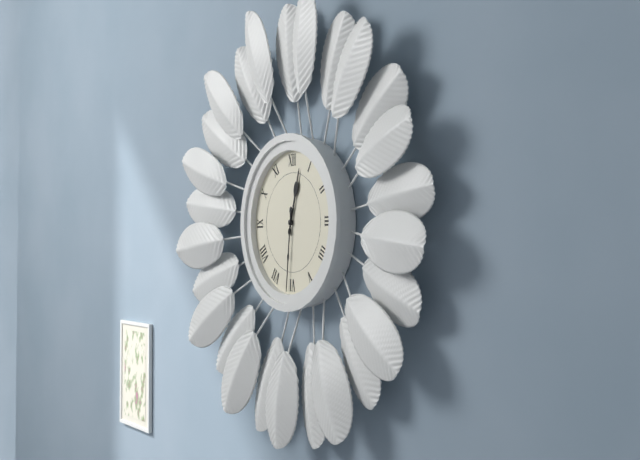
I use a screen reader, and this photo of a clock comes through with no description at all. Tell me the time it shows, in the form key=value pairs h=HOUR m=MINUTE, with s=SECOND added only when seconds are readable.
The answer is h=12 m=31
